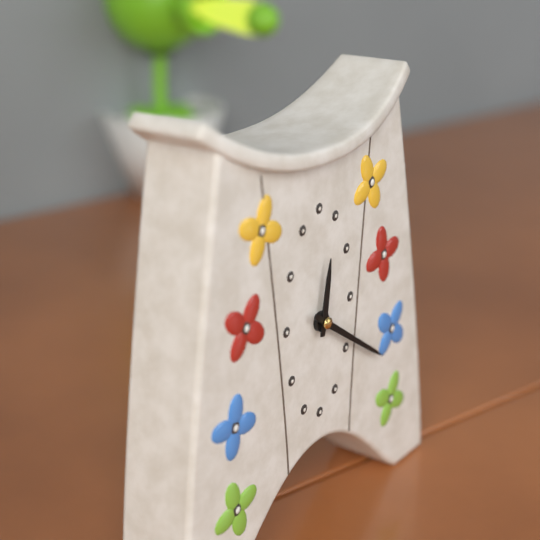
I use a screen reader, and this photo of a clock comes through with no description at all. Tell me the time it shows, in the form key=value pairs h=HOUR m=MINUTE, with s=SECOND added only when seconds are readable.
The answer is h=12 m=21
